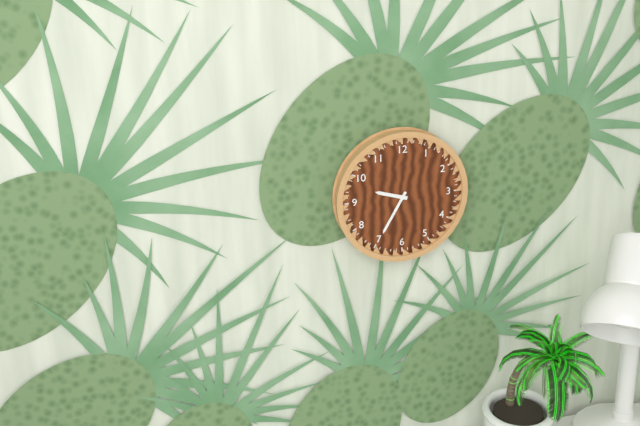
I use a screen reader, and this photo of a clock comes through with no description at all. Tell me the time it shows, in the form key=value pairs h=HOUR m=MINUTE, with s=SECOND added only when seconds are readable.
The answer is h=9 m=35
